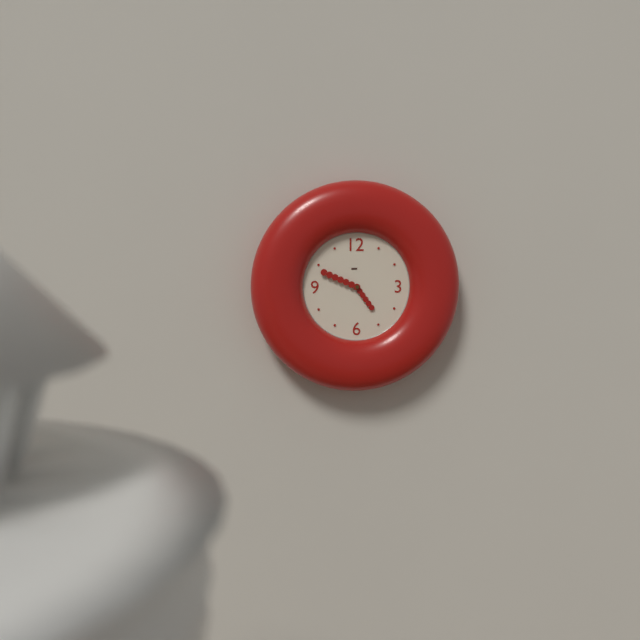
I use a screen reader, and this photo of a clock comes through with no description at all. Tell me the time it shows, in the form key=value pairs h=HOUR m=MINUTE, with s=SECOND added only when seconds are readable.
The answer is h=4 m=49
